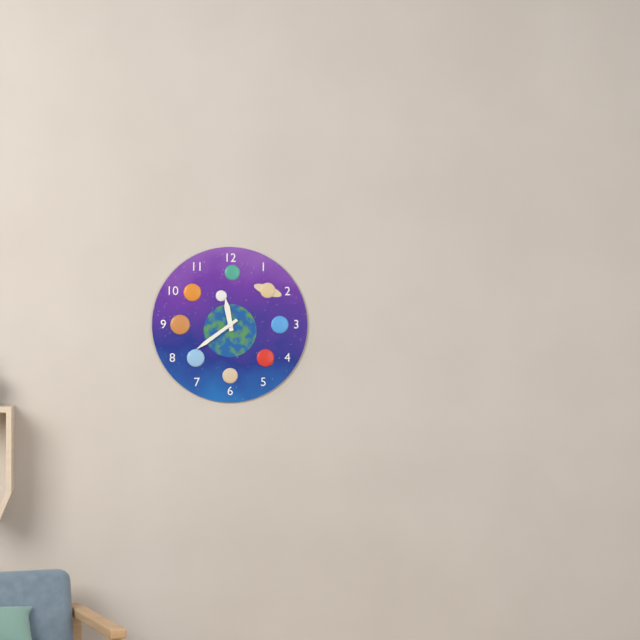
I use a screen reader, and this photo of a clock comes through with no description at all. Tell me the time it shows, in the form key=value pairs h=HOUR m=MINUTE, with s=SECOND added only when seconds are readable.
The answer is h=11 m=39
